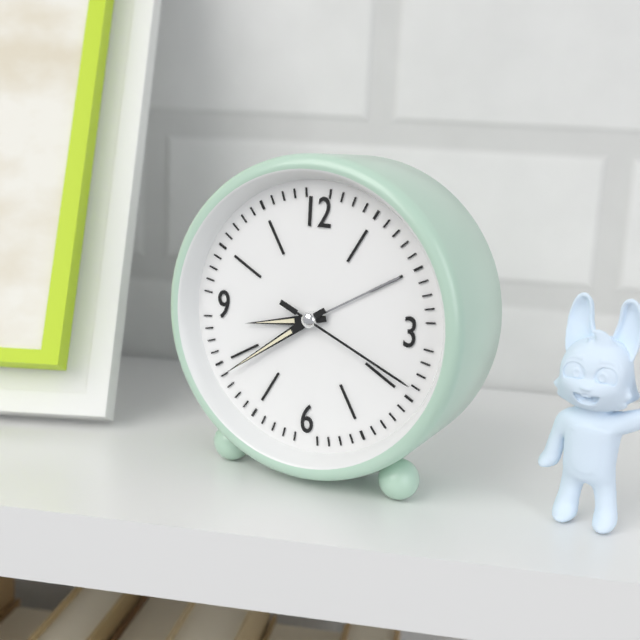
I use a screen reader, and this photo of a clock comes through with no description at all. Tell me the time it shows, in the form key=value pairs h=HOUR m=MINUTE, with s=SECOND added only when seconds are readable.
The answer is h=8 m=39 s=19
